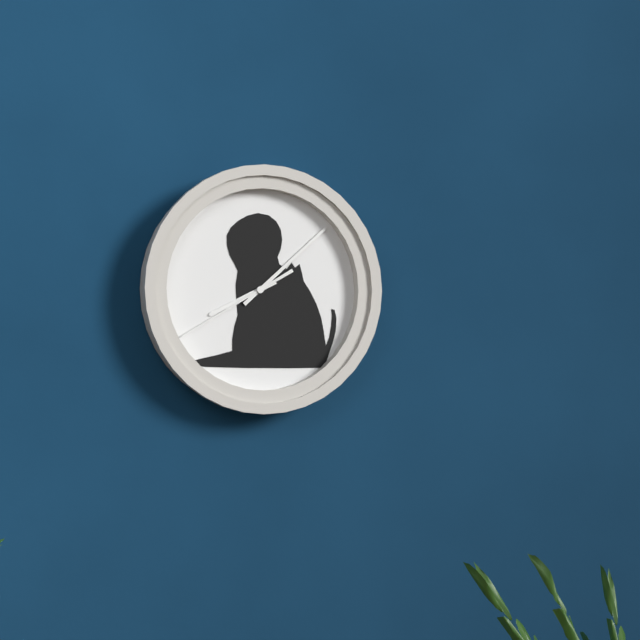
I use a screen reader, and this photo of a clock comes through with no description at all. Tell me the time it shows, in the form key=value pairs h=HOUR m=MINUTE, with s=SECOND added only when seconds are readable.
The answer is h=8 m=8 s=40
